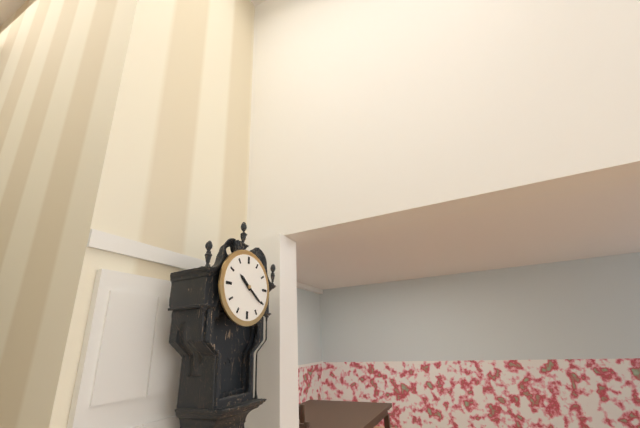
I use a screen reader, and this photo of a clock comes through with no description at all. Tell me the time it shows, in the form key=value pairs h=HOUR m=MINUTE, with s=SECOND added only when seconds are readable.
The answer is h=10 m=21
